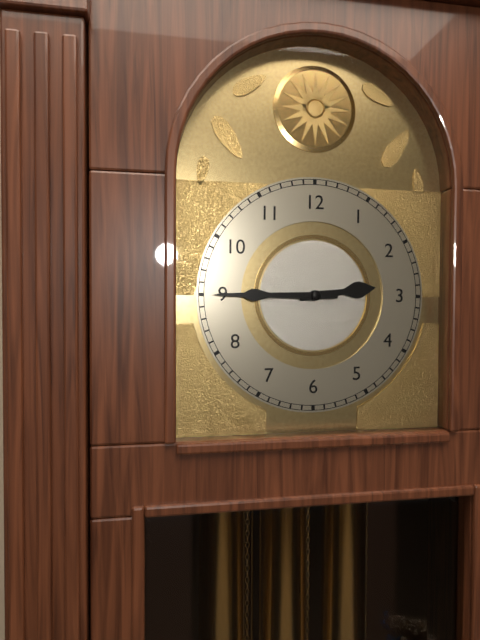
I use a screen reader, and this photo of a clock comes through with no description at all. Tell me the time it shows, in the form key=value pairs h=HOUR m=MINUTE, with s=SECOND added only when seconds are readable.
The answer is h=2 m=45
